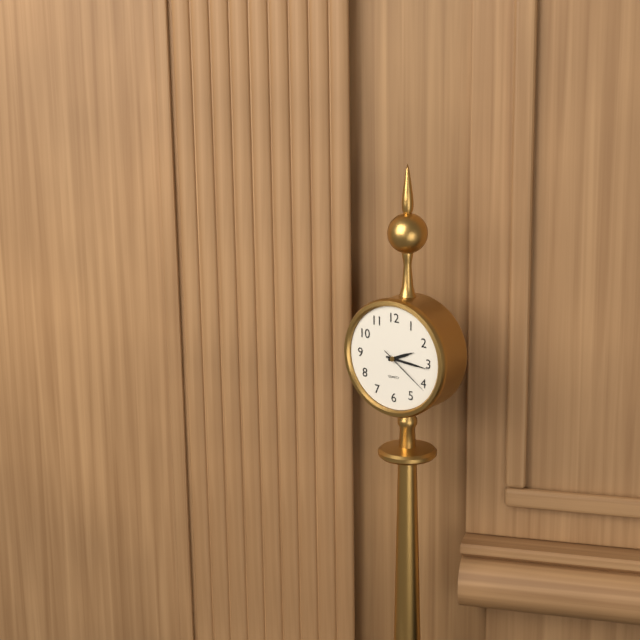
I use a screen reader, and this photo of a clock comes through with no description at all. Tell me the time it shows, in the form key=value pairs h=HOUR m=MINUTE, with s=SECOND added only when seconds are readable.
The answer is h=2 m=16 s=21
